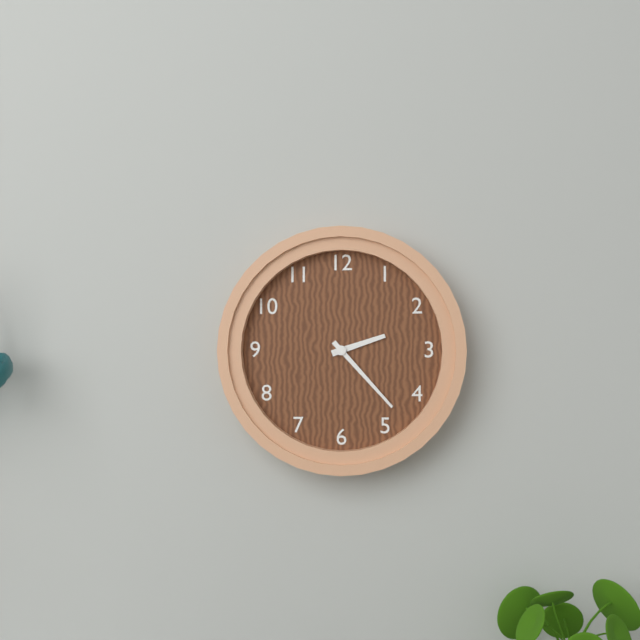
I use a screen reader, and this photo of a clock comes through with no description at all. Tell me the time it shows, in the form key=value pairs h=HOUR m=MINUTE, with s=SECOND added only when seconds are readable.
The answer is h=2 m=23
